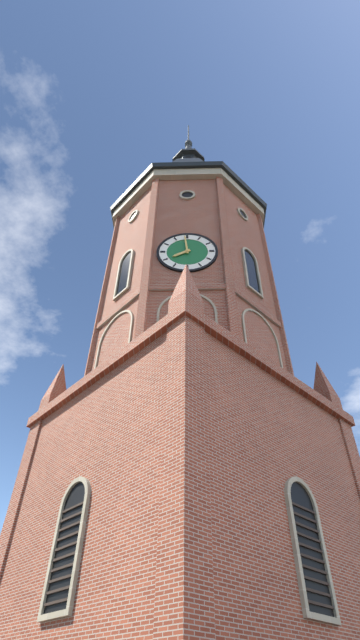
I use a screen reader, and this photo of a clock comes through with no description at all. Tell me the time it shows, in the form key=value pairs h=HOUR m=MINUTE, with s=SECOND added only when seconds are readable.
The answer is h=7 m=59
